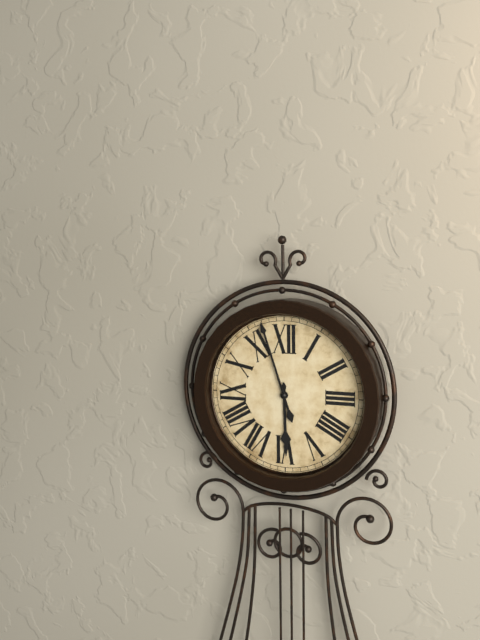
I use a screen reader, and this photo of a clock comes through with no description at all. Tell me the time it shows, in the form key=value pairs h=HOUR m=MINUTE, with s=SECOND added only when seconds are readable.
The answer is h=5 m=57
